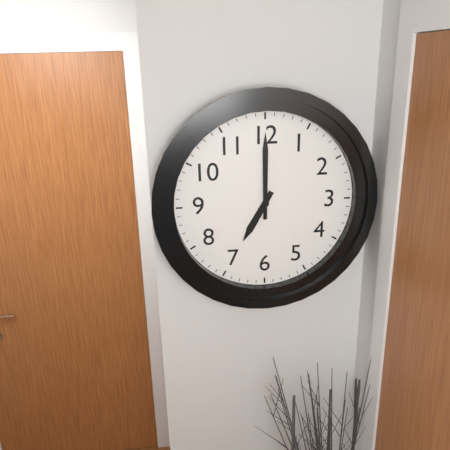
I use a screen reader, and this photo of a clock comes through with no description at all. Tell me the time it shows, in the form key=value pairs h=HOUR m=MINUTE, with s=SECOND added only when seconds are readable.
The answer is h=7 m=0
